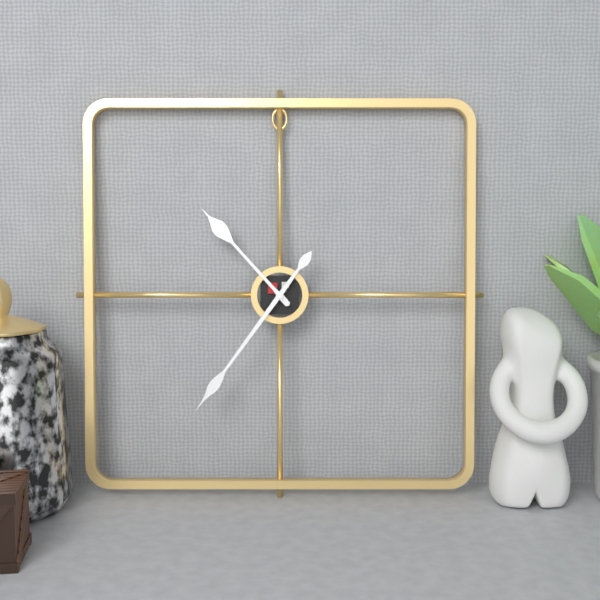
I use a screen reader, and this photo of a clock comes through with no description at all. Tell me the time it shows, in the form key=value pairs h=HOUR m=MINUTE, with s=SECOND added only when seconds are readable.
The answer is h=10 m=36
